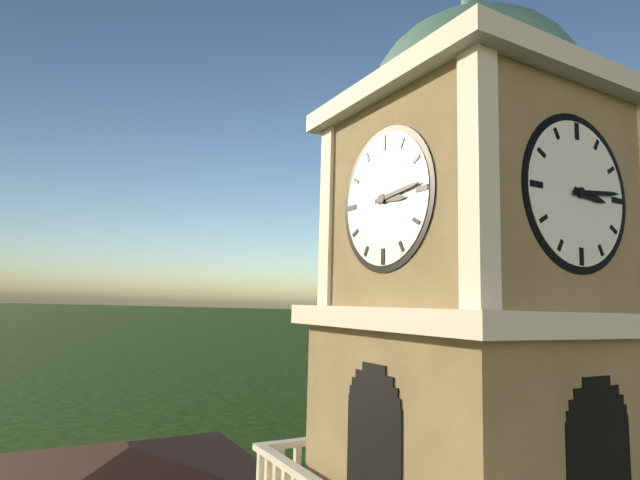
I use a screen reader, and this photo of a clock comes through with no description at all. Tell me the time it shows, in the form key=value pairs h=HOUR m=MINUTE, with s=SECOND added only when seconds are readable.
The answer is h=3 m=14
